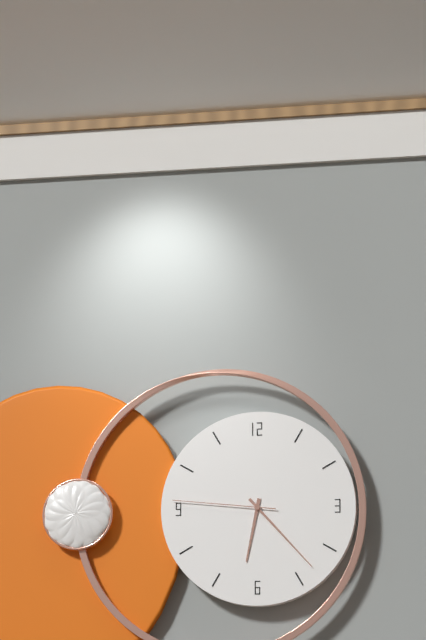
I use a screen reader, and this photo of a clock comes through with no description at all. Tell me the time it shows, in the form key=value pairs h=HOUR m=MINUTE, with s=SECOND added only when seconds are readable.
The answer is h=6 m=23 s=46
